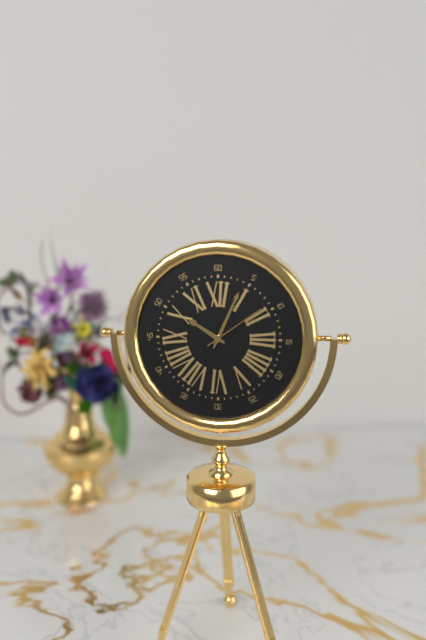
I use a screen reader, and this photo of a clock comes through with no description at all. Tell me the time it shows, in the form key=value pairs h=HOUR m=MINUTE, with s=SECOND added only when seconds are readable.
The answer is h=10 m=4 s=9
